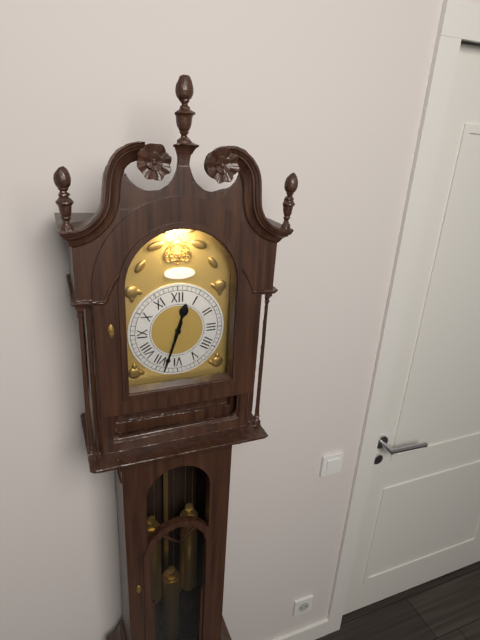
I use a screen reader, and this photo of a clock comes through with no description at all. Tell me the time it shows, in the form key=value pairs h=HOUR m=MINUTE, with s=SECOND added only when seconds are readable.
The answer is h=12 m=33
